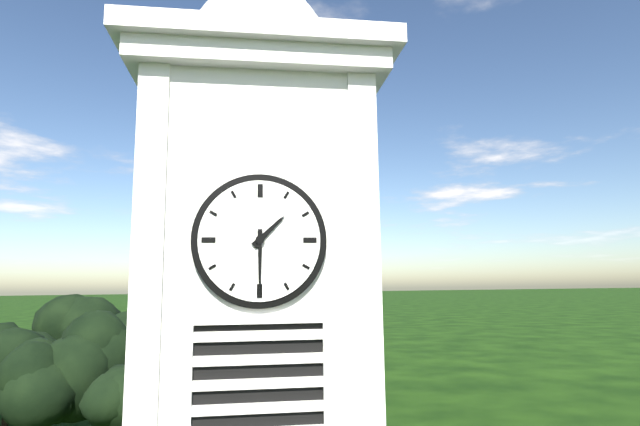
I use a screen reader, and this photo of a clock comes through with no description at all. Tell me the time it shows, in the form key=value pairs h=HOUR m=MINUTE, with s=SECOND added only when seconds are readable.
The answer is h=1 m=30
